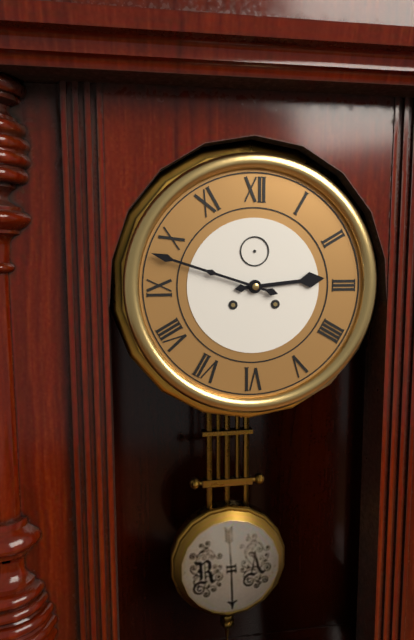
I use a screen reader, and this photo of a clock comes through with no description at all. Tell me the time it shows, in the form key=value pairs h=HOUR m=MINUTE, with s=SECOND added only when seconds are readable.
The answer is h=2 m=48
